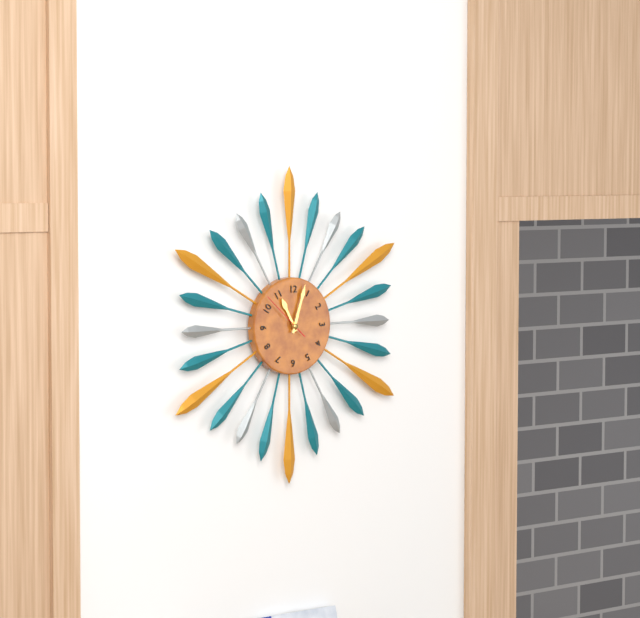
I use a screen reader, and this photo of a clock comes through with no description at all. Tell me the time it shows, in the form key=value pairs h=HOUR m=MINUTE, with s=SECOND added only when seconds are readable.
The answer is h=11 m=3
